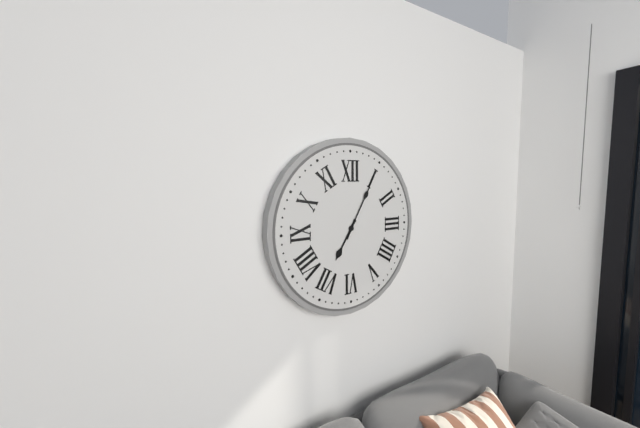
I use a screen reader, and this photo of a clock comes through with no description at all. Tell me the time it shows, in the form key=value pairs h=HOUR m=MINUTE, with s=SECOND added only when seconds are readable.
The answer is h=7 m=5
